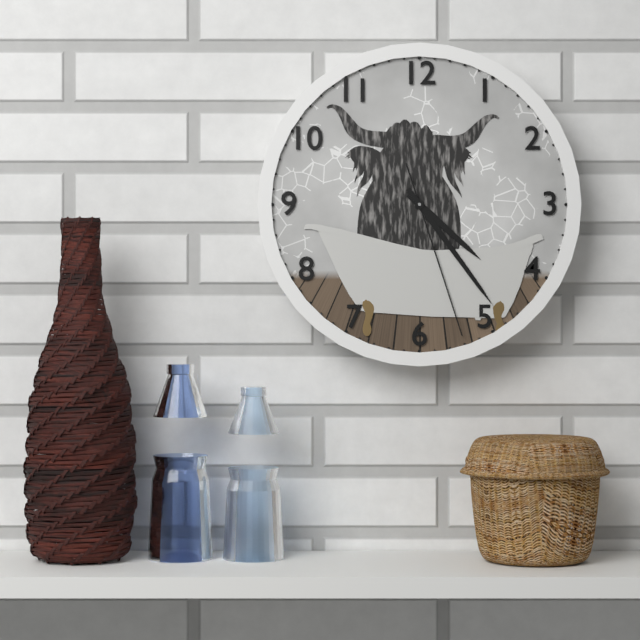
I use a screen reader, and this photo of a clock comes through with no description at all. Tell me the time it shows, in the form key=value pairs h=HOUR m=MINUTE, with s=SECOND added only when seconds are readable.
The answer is h=4 m=24 s=27
